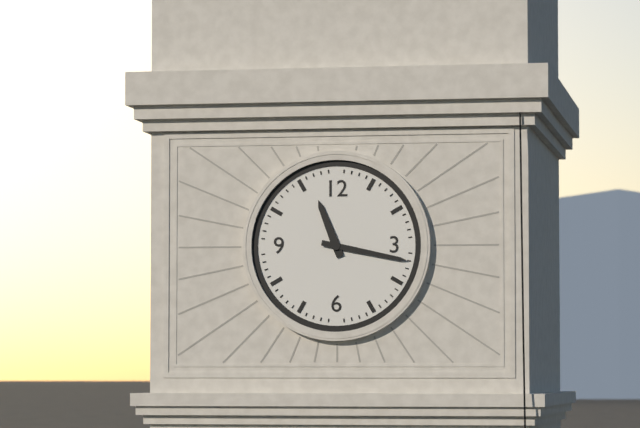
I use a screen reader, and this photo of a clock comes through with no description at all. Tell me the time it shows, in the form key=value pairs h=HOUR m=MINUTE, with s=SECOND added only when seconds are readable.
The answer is h=11 m=17
